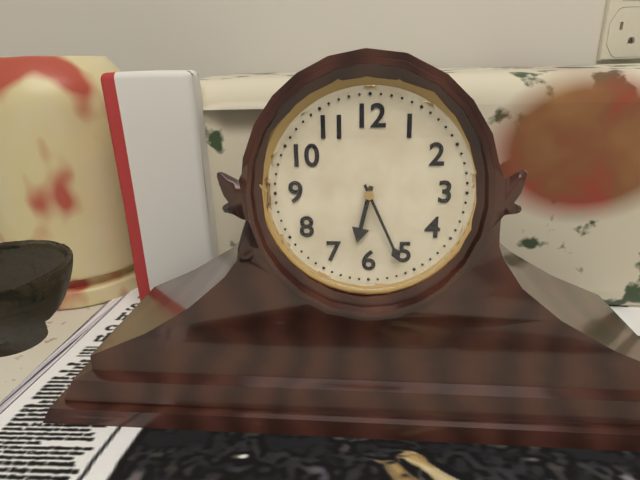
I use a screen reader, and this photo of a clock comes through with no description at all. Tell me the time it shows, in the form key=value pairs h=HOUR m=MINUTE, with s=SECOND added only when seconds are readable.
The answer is h=6 m=26
